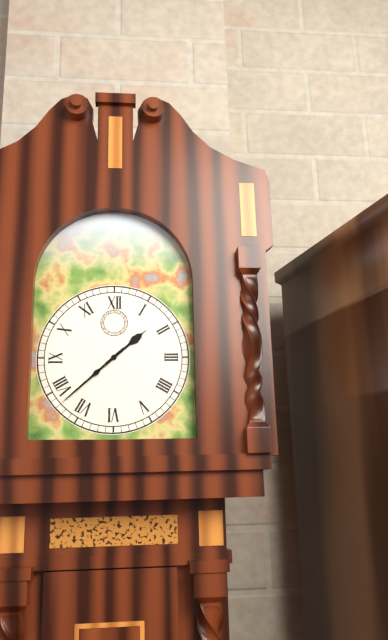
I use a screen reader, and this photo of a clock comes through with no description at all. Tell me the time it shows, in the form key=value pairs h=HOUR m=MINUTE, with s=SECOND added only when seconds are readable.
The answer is h=1 m=38
